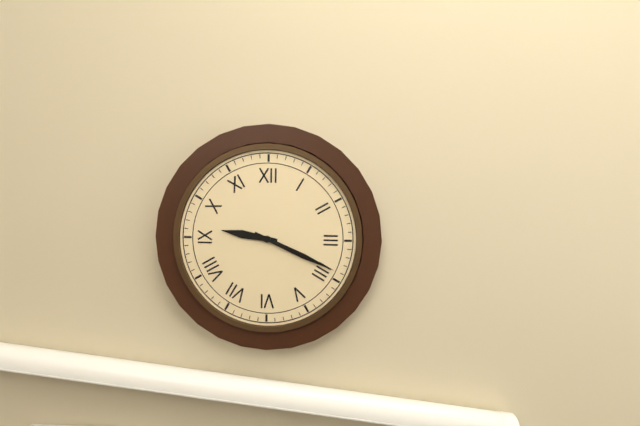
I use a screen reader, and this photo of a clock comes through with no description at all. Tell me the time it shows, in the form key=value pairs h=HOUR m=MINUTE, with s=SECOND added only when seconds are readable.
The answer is h=9 m=19
